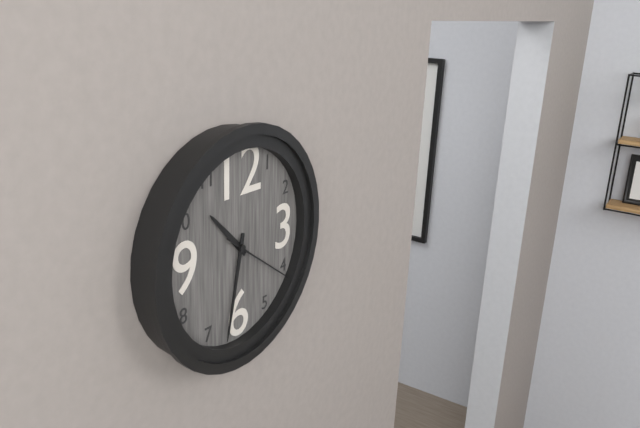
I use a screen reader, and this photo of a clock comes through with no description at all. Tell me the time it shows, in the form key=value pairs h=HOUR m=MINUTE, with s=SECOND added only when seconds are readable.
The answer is h=10 m=32 s=21
